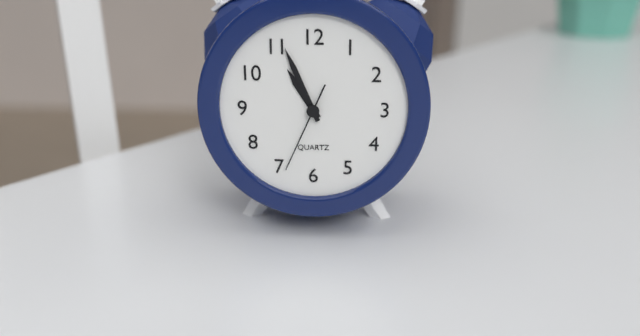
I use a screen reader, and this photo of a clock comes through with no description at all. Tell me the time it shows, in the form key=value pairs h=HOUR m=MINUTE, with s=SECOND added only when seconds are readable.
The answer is h=10 m=56 s=34
